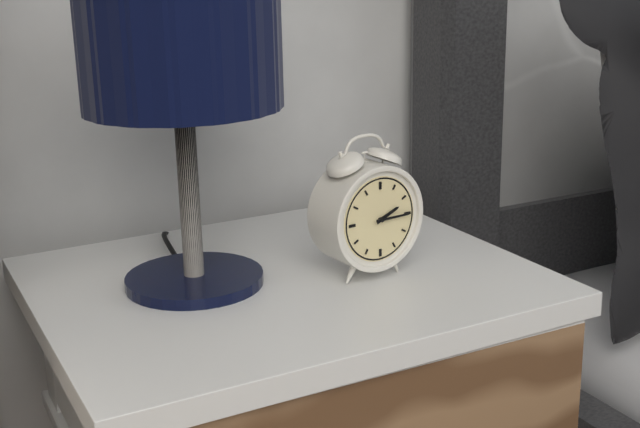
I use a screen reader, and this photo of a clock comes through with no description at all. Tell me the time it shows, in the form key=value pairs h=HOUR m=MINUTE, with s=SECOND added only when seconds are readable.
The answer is h=2 m=15
